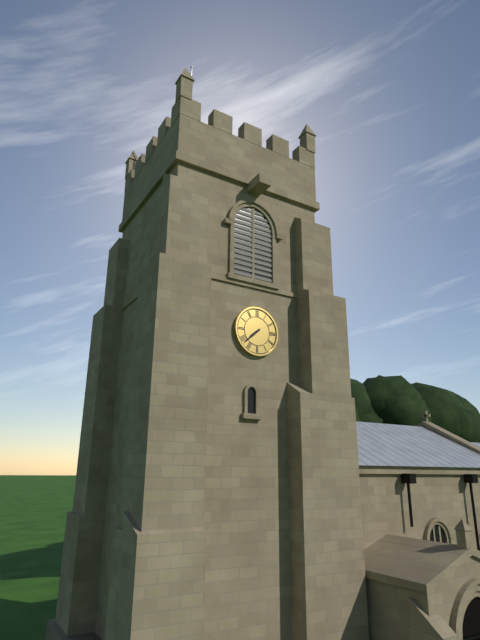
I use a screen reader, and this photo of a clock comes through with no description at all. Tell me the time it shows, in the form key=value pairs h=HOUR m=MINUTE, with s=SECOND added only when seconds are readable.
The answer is h=7 m=38
